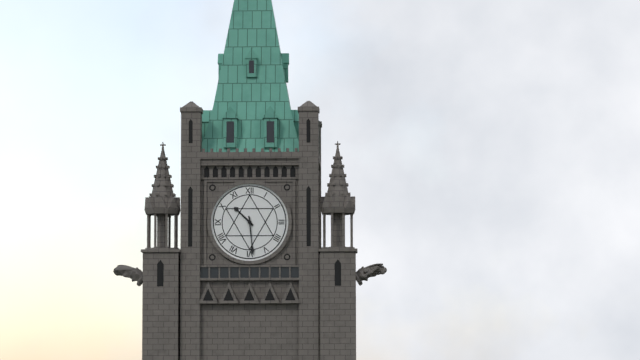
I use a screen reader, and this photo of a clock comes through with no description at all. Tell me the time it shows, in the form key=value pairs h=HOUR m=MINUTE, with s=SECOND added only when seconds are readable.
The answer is h=10 m=29
